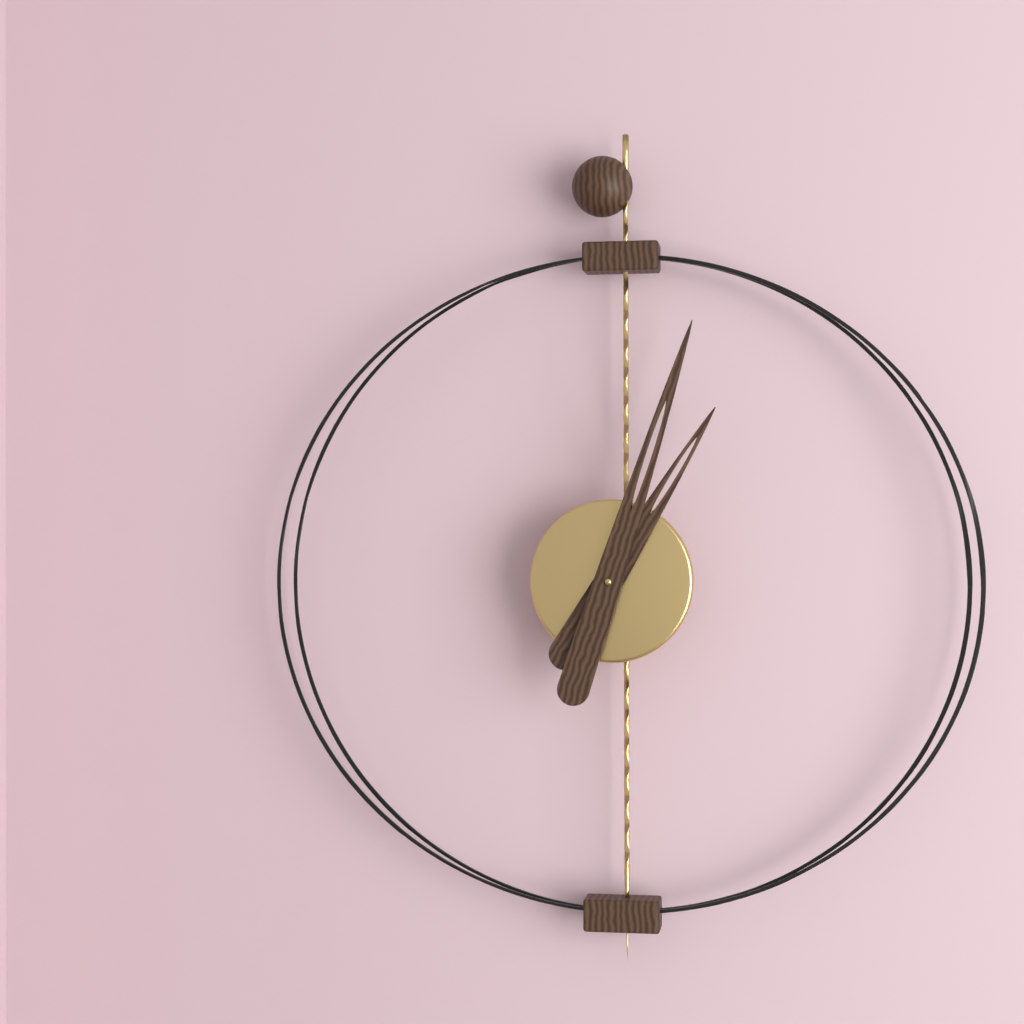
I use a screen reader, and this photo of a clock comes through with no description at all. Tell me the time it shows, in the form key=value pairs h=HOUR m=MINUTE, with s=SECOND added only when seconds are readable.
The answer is h=1 m=3
